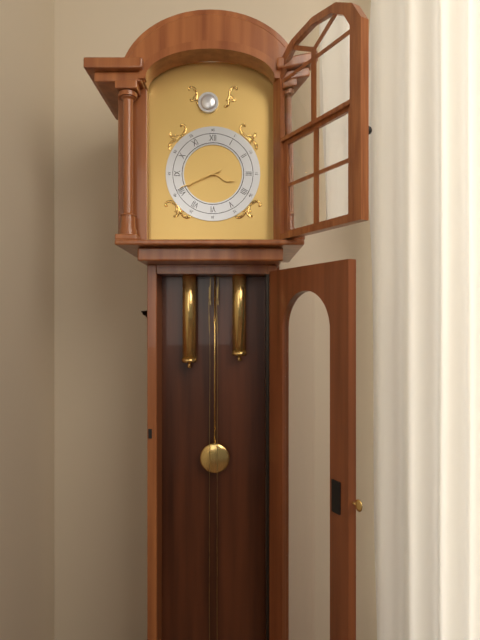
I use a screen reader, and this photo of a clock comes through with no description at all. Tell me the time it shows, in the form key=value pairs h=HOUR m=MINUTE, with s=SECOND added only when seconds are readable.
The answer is h=3 m=41
